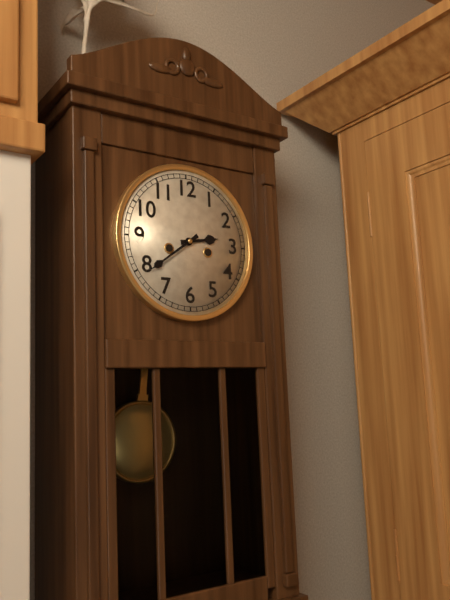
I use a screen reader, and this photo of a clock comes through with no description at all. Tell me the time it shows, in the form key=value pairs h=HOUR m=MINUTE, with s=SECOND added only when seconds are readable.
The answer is h=2 m=39
